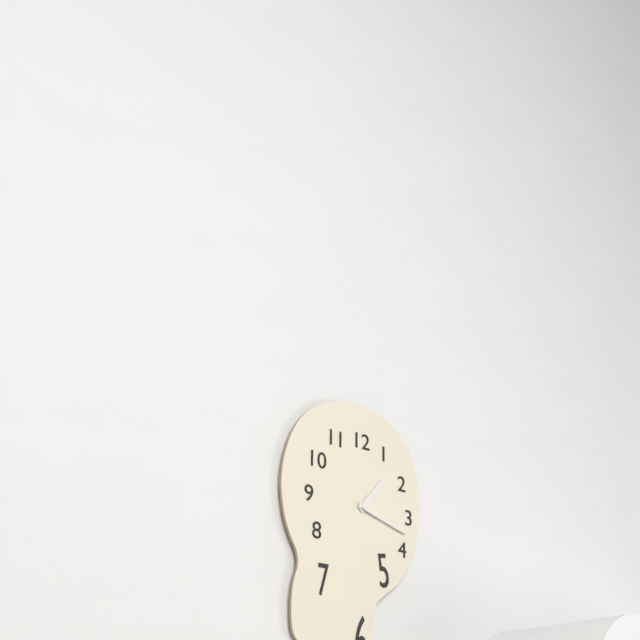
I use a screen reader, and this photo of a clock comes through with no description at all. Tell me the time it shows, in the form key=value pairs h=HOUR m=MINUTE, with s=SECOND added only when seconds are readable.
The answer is h=1 m=18
